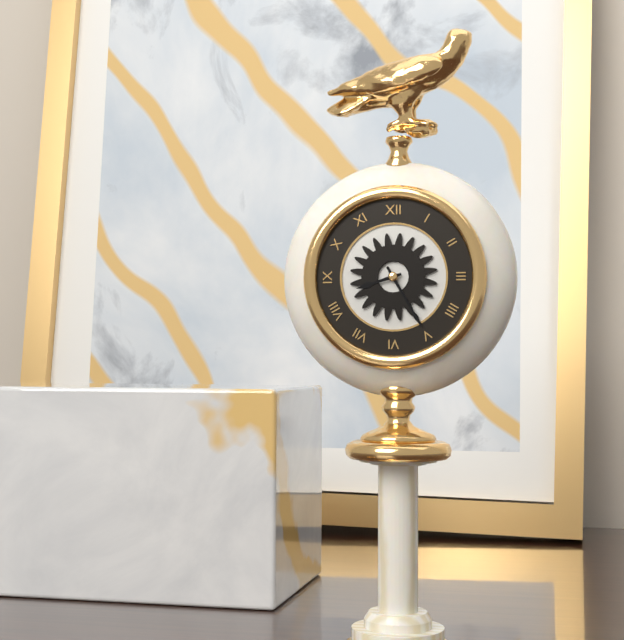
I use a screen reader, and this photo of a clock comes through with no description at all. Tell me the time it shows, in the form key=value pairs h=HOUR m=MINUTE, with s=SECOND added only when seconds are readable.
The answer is h=8 m=25
